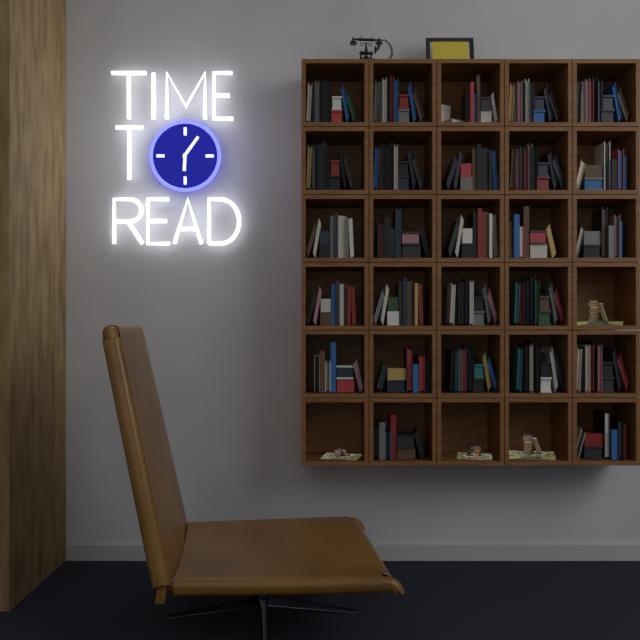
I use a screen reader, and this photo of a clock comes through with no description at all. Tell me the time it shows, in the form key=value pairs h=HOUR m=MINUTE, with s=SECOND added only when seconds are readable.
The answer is h=6 m=6
